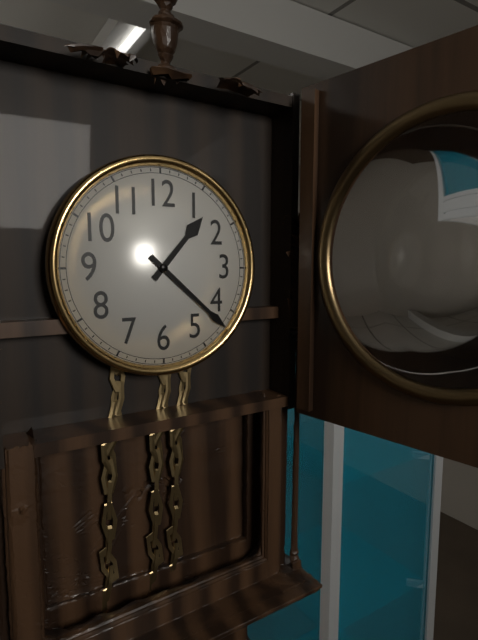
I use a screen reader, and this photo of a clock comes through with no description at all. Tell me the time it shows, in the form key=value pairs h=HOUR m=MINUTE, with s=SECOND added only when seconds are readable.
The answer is h=1 m=22
